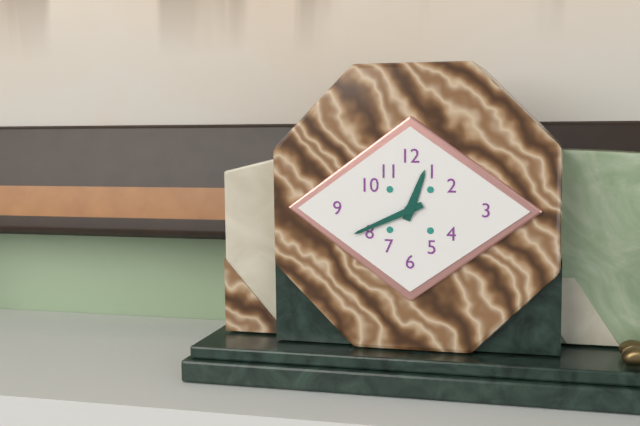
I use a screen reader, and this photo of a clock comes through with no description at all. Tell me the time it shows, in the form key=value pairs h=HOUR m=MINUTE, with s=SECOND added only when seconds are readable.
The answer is h=12 m=41
